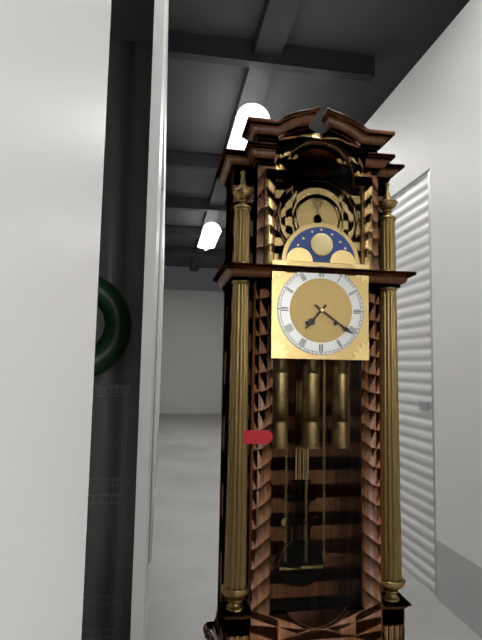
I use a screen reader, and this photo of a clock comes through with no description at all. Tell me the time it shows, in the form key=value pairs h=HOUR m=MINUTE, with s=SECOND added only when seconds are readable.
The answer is h=7 m=21
